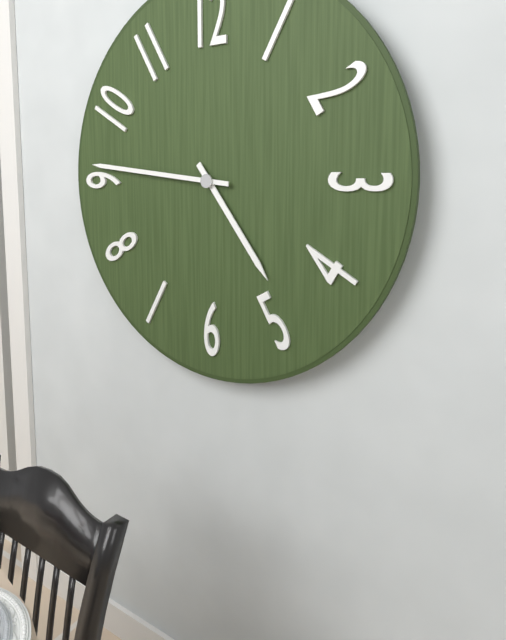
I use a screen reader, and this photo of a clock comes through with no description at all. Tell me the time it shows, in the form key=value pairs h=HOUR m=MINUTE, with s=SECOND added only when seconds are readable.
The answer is h=4 m=46
